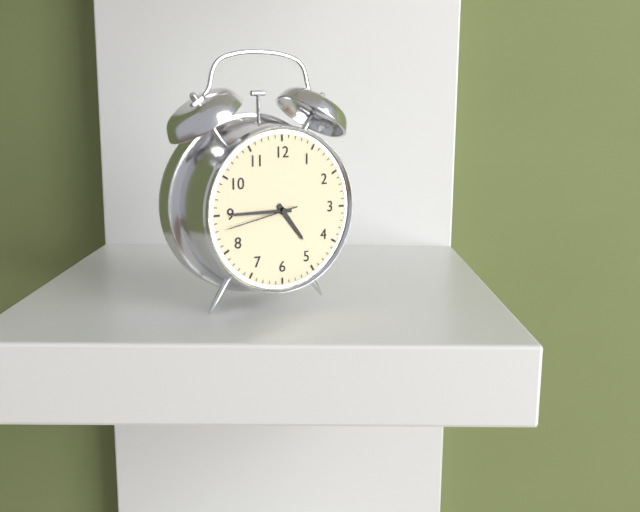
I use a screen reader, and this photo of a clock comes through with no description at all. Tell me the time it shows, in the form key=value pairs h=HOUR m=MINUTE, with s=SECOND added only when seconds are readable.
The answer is h=4 m=45 s=43
